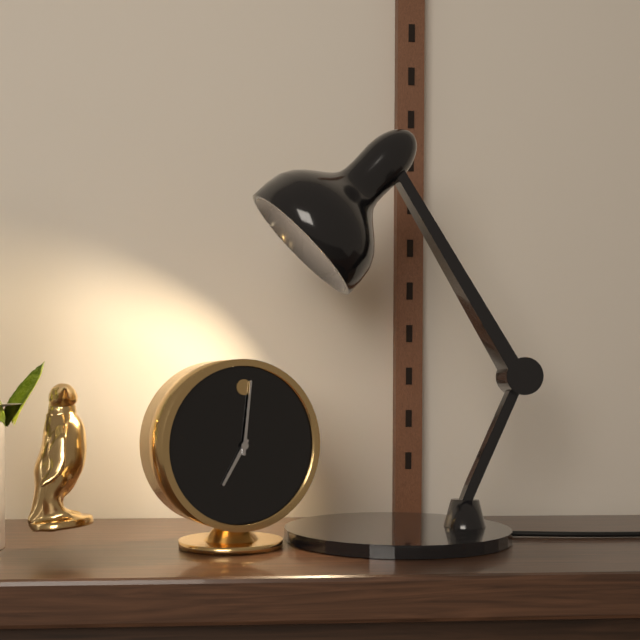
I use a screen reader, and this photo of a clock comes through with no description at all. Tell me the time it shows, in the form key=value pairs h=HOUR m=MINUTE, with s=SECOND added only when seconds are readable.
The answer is h=7 m=1
